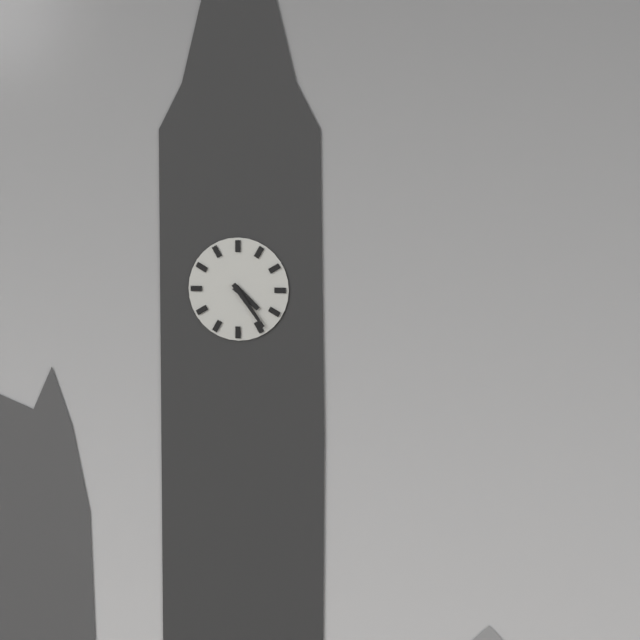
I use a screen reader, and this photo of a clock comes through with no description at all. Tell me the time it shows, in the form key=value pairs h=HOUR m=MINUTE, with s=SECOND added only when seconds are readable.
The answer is h=4 m=24
